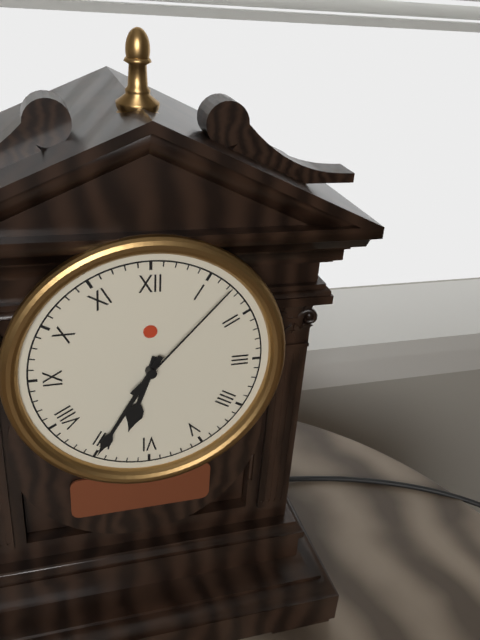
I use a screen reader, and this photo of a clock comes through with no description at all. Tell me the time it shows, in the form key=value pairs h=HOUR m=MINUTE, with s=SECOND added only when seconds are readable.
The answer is h=6 m=35 s=7
